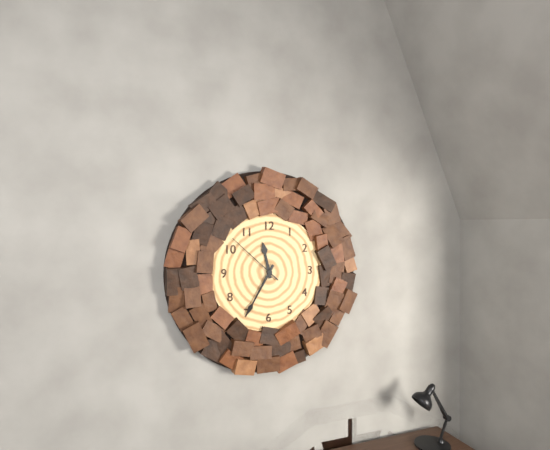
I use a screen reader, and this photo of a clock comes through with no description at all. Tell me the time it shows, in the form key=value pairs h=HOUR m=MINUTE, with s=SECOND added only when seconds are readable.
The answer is h=11 m=35 s=52
